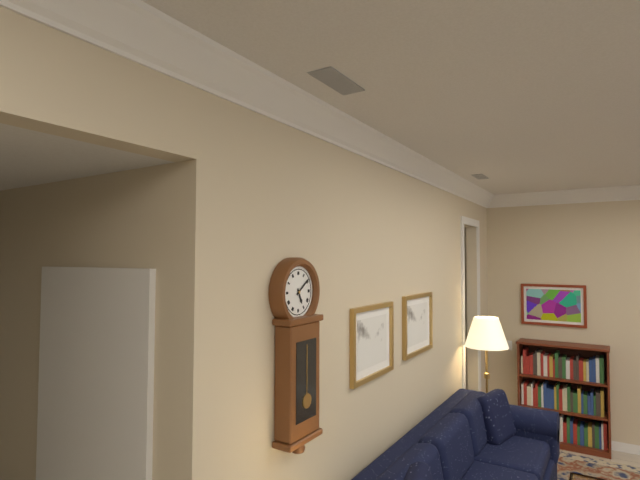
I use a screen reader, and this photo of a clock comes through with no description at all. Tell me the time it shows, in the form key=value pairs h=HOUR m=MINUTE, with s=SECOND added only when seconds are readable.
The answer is h=5 m=9
